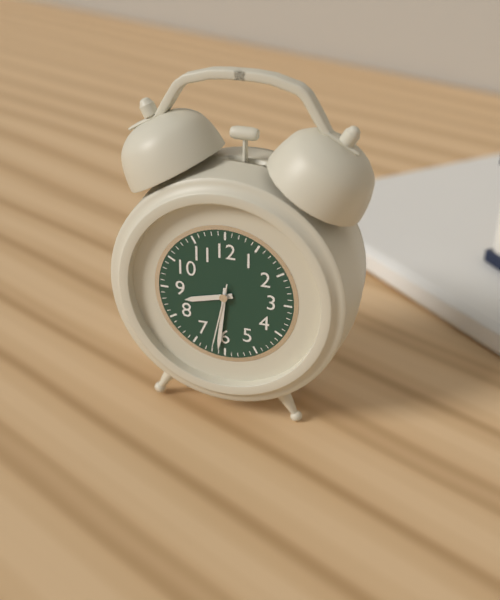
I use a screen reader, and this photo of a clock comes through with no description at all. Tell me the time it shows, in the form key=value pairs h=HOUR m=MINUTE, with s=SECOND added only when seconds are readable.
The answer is h=8 m=31 s=32
